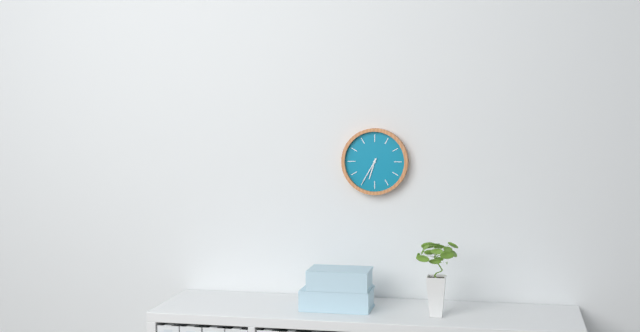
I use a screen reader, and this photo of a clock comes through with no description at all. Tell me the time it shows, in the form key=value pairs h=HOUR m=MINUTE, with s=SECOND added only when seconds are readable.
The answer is h=6 m=35
